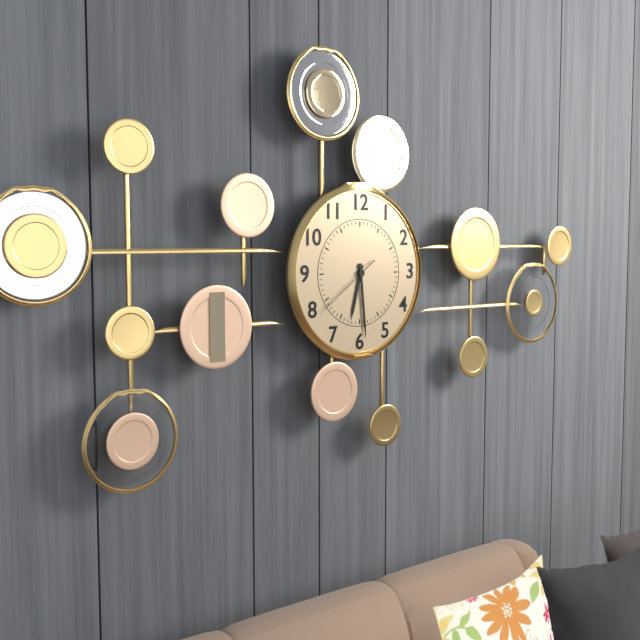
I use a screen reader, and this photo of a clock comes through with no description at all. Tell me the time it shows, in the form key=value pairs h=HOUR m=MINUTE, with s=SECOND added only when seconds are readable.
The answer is h=6 m=29 s=39
